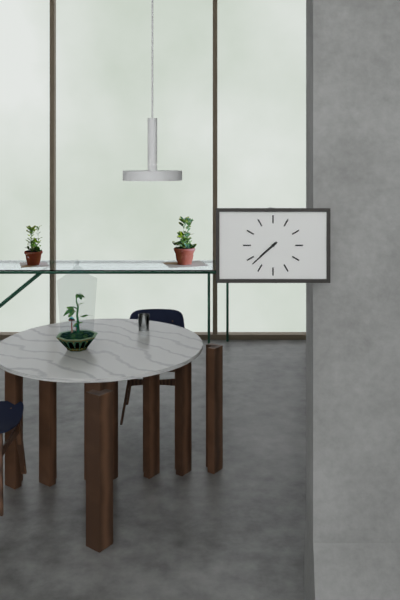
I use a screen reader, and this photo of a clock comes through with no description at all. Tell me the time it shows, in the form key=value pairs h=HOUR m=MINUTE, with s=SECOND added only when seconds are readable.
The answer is h=7 m=38
